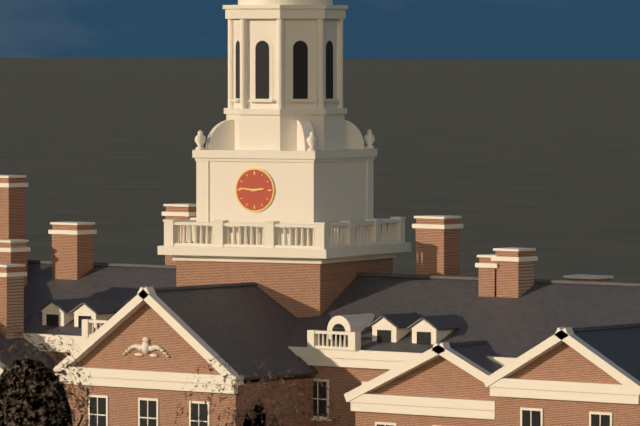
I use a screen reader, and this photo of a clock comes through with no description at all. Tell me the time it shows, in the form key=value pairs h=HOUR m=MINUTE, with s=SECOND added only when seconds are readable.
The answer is h=2 m=46
